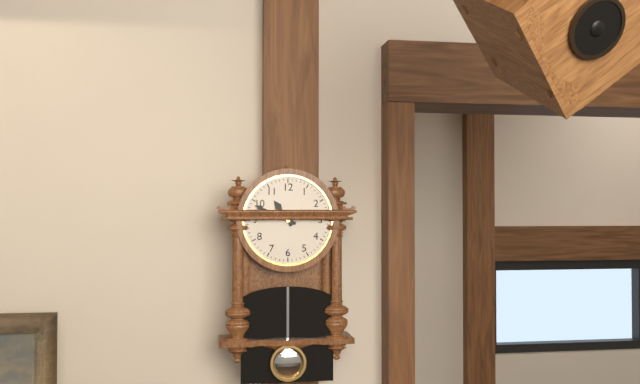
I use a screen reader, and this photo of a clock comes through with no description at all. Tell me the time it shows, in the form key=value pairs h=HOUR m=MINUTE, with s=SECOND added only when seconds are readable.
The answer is h=10 m=49
